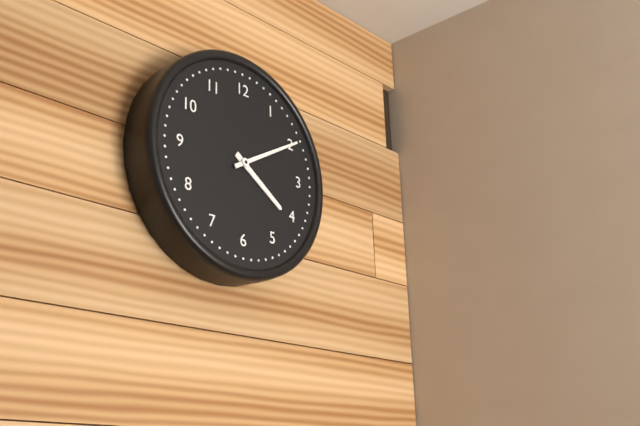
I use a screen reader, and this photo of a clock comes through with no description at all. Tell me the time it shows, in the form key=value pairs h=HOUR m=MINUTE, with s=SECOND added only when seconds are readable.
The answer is h=4 m=10
